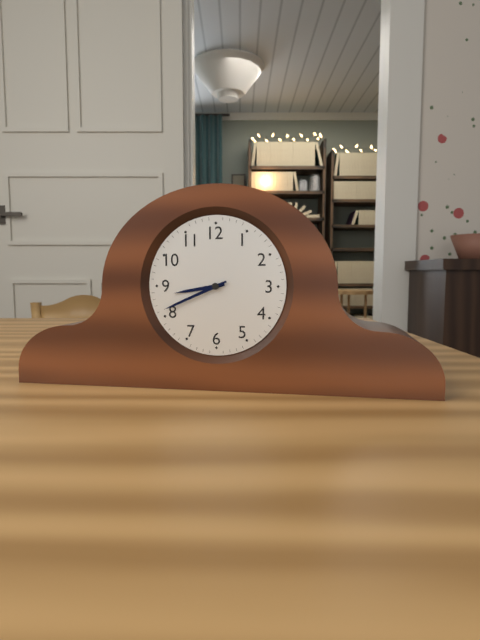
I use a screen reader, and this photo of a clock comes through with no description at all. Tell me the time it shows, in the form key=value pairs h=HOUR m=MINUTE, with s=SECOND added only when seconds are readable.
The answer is h=8 m=41
